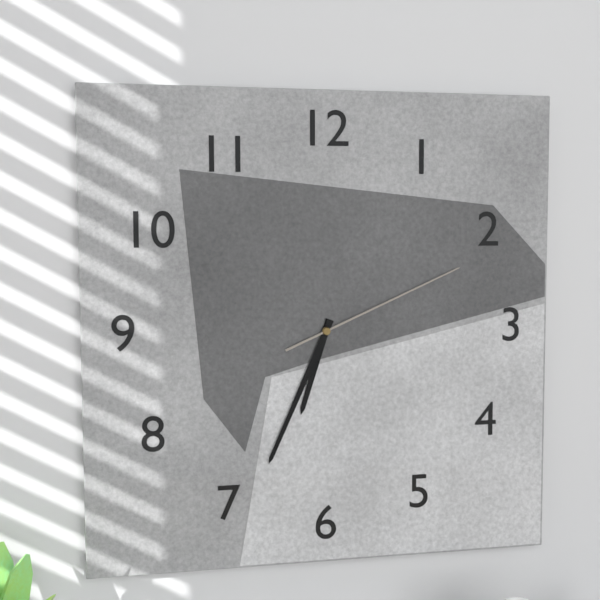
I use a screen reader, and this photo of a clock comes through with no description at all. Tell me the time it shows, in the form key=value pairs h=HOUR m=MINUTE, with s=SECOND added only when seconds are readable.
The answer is h=6 m=34 s=11
